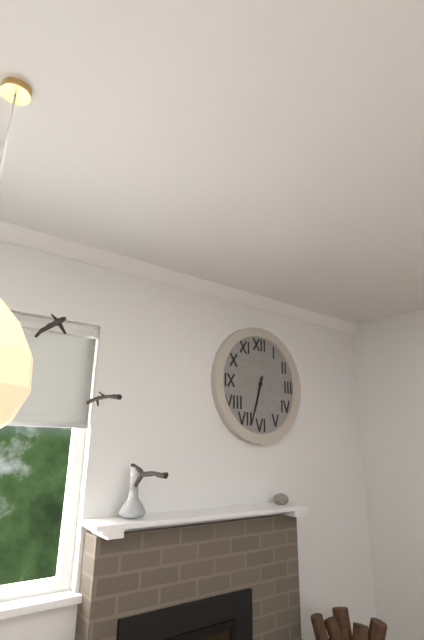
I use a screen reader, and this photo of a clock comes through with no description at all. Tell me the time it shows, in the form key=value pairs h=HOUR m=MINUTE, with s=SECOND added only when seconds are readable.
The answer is h=6 m=33
